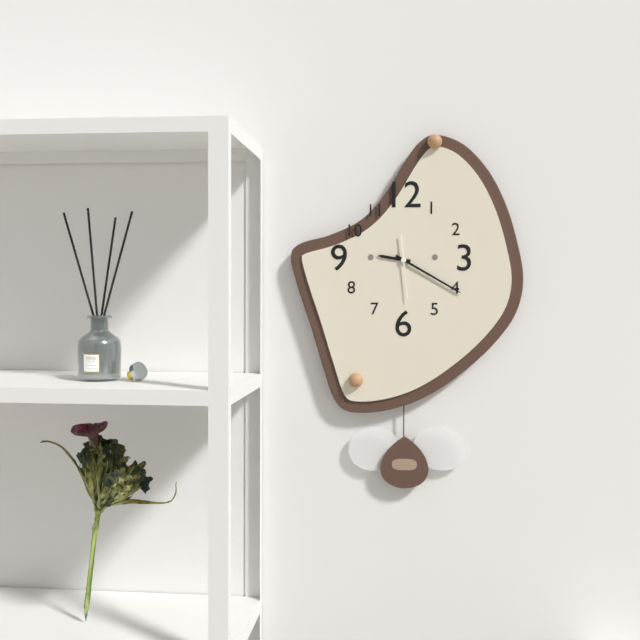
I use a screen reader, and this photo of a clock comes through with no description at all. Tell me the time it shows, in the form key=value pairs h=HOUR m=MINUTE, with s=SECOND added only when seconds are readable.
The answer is h=9 m=20 s=29
